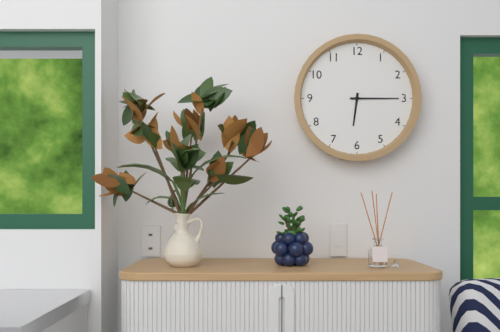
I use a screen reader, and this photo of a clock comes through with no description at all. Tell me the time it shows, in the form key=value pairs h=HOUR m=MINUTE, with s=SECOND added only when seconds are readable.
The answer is h=6 m=15
